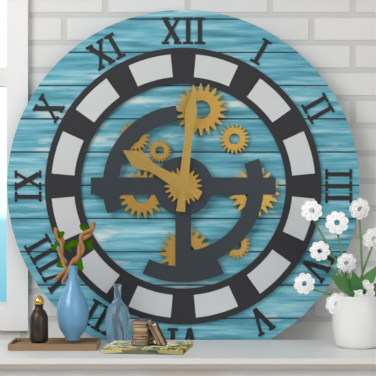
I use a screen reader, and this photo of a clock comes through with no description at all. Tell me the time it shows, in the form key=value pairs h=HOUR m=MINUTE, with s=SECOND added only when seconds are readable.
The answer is h=10 m=1
